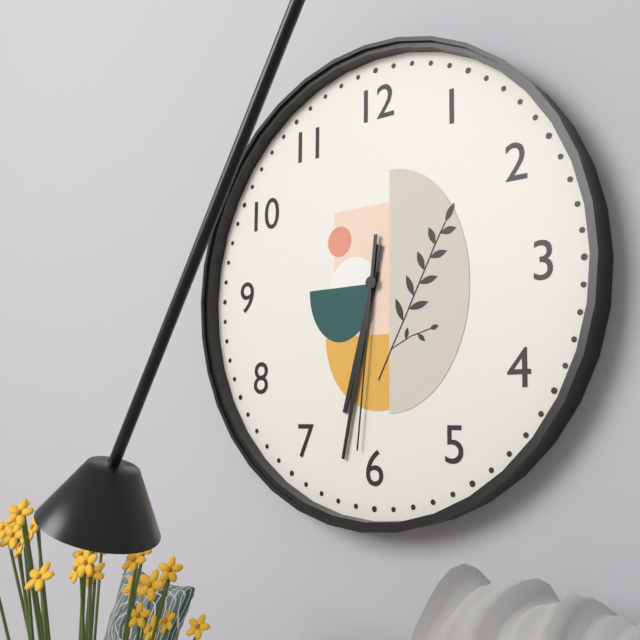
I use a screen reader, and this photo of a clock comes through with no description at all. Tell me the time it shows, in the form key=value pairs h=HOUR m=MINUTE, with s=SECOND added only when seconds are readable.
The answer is h=6 m=32 s=31
